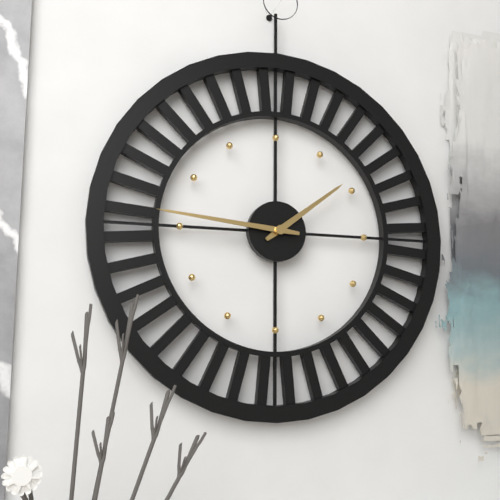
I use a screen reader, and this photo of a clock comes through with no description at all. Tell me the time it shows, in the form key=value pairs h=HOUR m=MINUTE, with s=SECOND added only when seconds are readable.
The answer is h=1 m=46
